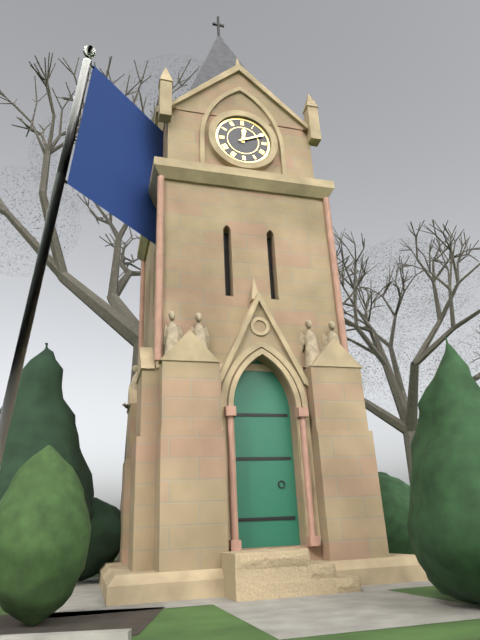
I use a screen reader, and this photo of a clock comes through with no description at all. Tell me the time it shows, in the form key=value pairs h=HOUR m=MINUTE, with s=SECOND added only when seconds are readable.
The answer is h=12 m=11
